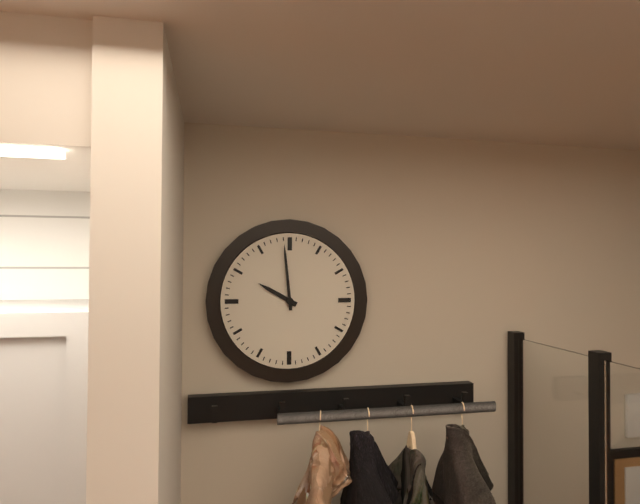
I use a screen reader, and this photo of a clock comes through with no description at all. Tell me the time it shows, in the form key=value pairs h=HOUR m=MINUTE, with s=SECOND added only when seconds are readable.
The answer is h=9 m=59
